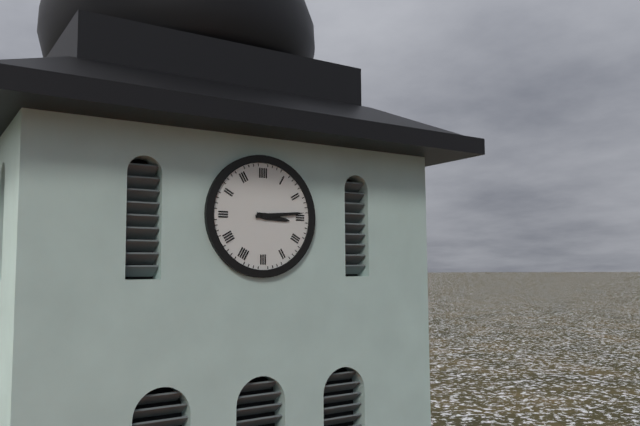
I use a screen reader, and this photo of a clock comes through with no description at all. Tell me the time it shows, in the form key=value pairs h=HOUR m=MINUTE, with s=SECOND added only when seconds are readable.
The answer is h=3 m=14
